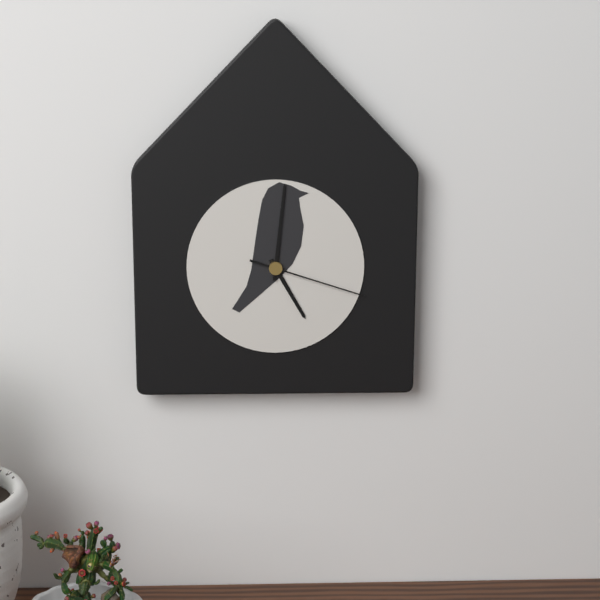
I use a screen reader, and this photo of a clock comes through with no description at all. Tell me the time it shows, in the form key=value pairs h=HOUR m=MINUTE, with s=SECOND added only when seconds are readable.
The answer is h=5 m=1 s=18
